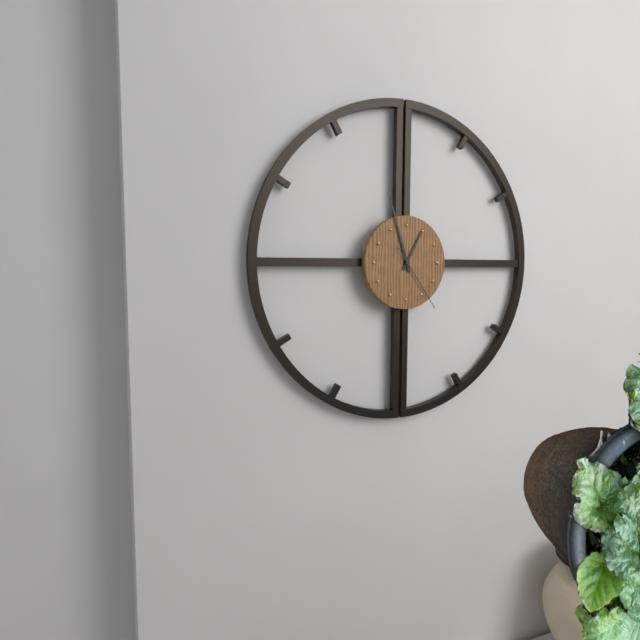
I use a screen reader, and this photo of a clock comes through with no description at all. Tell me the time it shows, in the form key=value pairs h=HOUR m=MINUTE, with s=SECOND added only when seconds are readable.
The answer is h=12 m=57 s=24
